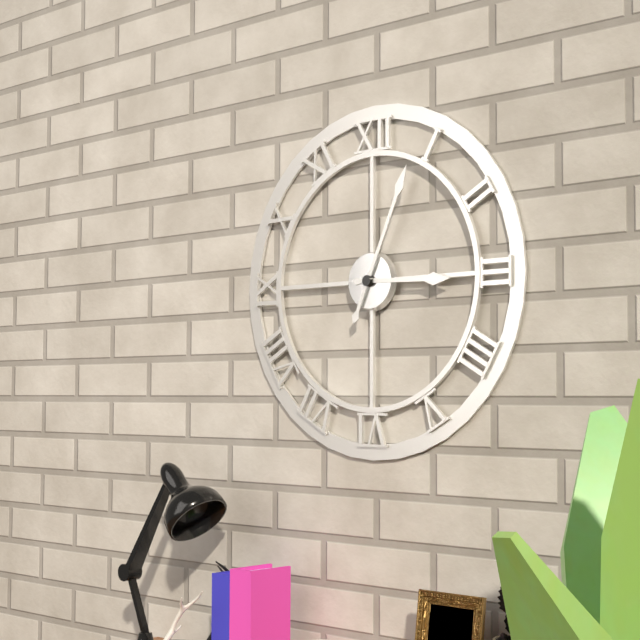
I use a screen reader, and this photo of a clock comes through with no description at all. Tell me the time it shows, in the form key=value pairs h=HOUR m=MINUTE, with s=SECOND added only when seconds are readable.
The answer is h=3 m=4
